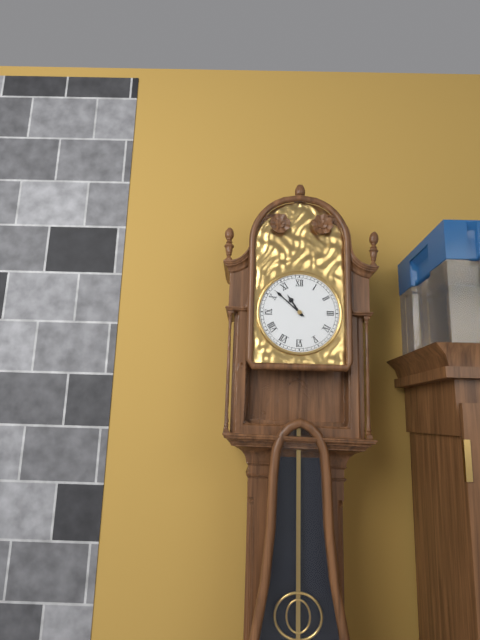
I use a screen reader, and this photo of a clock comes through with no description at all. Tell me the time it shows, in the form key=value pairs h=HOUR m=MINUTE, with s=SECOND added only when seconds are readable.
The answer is h=10 m=52
